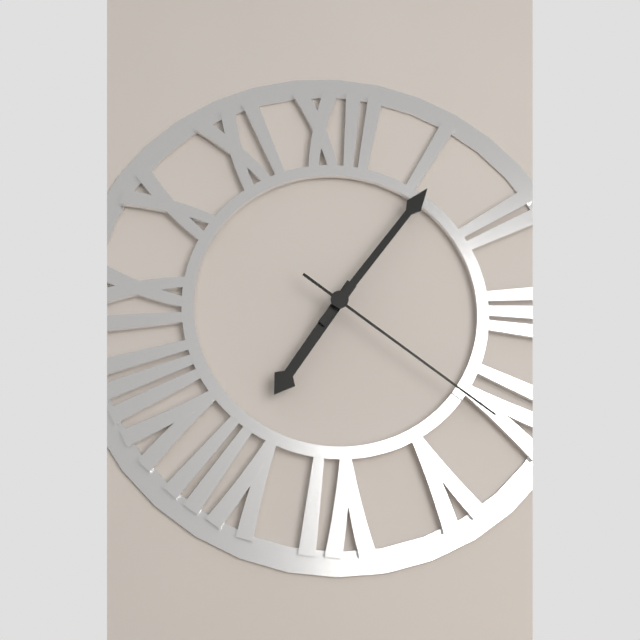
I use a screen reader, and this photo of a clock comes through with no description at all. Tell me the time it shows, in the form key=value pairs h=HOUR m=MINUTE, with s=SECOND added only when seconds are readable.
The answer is h=7 m=6 s=21
